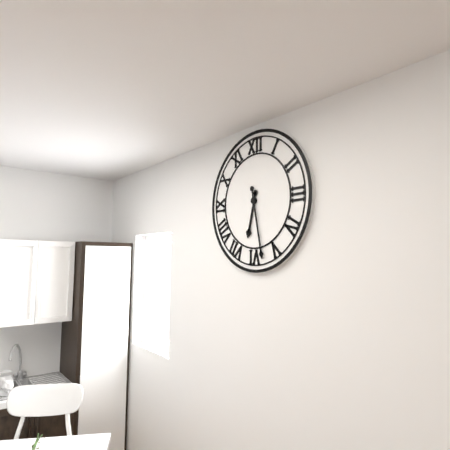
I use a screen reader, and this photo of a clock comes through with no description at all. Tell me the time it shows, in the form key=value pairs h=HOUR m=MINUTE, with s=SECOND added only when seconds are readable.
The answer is h=6 m=28
